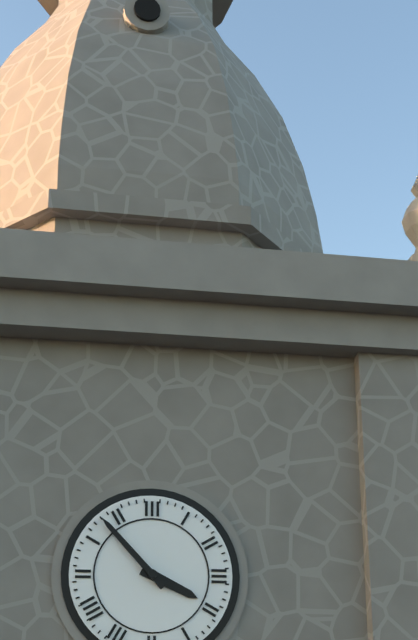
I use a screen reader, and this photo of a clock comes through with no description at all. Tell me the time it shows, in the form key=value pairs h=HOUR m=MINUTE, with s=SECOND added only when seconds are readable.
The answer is h=3 m=53
